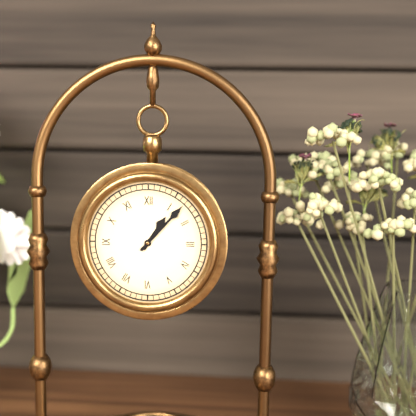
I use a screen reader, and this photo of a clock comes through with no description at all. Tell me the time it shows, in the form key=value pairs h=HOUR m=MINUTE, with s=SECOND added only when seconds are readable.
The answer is h=1 m=7
